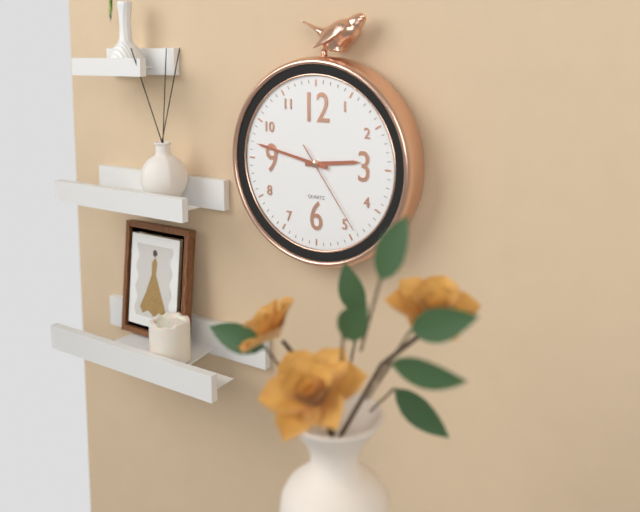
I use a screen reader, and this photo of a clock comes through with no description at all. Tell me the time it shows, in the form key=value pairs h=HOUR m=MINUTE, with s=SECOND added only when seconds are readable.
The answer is h=2 m=47 s=24
